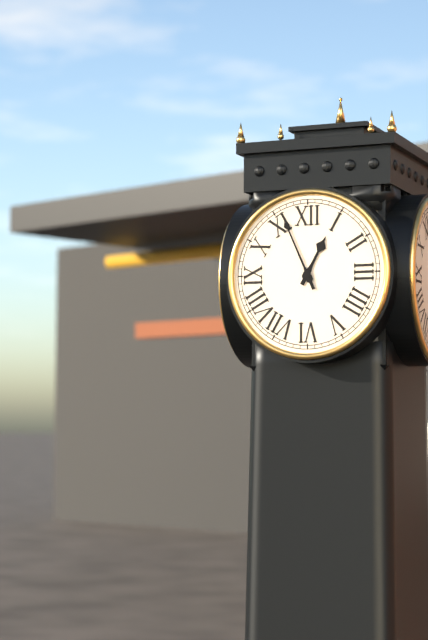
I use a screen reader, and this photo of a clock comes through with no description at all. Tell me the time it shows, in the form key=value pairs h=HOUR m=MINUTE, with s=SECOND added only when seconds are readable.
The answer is h=12 m=56
